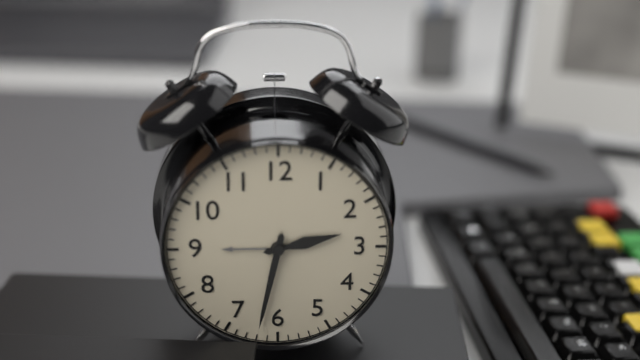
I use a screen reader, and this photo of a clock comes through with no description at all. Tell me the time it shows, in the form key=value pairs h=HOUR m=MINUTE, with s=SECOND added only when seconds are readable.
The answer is h=2 m=32
